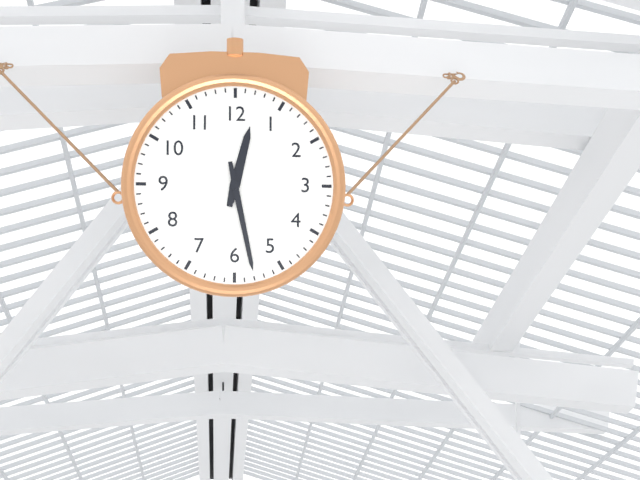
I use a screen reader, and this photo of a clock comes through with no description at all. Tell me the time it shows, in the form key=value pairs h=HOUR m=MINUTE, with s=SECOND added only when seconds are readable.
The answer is h=12 m=28
